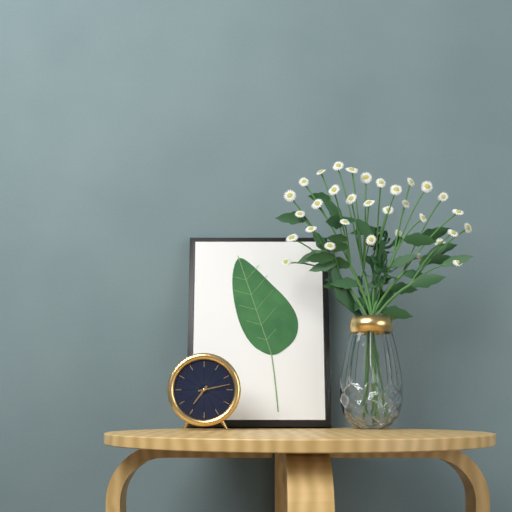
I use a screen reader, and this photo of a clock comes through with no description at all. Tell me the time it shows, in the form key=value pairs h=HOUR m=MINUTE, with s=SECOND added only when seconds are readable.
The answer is h=7 m=13
